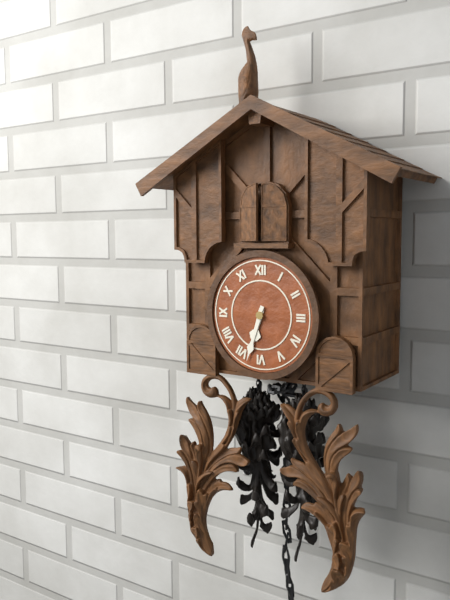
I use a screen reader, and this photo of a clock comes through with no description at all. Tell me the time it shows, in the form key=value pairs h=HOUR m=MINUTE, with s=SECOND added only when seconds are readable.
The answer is h=6 m=33
